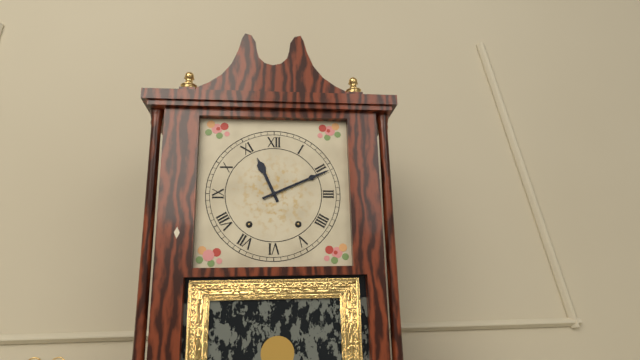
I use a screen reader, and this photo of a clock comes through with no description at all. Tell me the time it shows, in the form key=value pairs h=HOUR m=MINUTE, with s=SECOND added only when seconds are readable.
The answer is h=11 m=11
